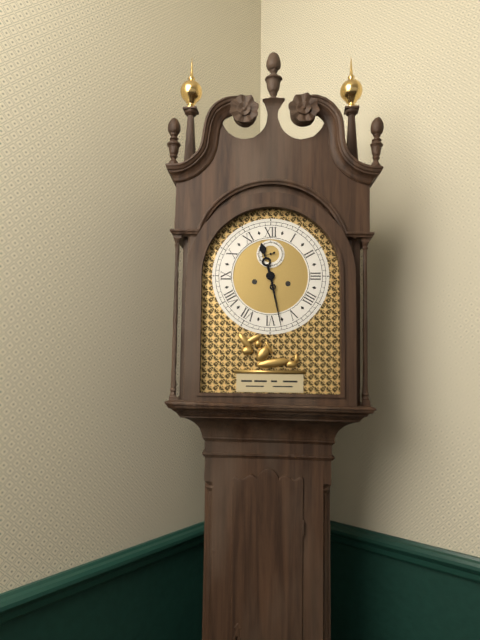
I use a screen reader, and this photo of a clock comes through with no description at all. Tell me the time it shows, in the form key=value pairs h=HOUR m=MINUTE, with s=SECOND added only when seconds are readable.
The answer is h=11 m=28
